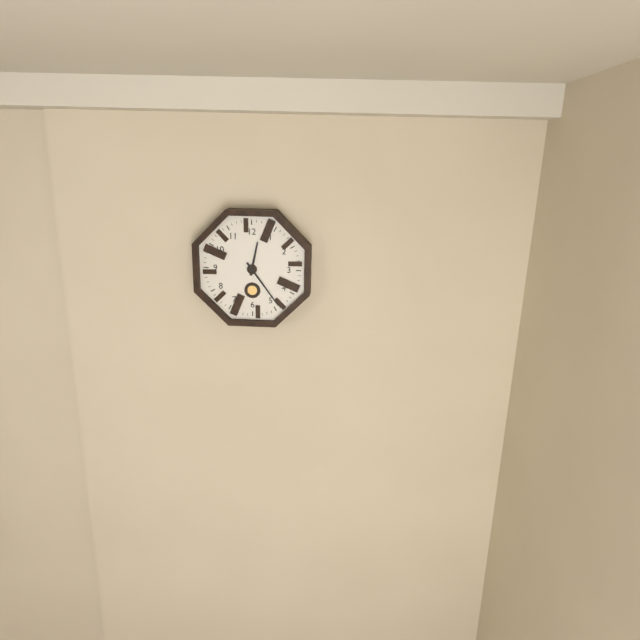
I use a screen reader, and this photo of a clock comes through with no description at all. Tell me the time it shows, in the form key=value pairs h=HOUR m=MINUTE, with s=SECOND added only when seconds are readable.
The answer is h=12 m=24
